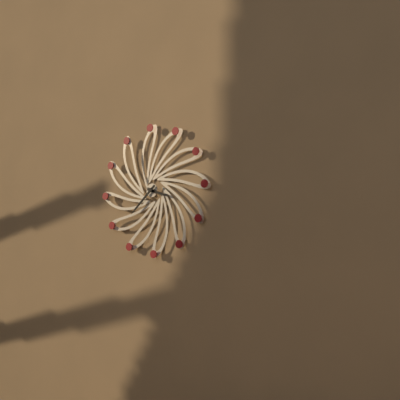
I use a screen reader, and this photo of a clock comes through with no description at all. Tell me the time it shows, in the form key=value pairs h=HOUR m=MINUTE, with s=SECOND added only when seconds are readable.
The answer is h=3 m=38
